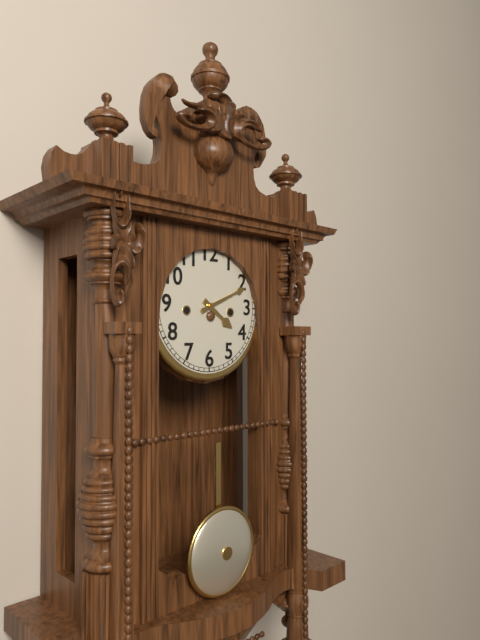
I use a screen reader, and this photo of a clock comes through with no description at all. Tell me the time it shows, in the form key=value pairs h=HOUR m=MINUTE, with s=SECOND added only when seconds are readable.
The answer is h=4 m=11
